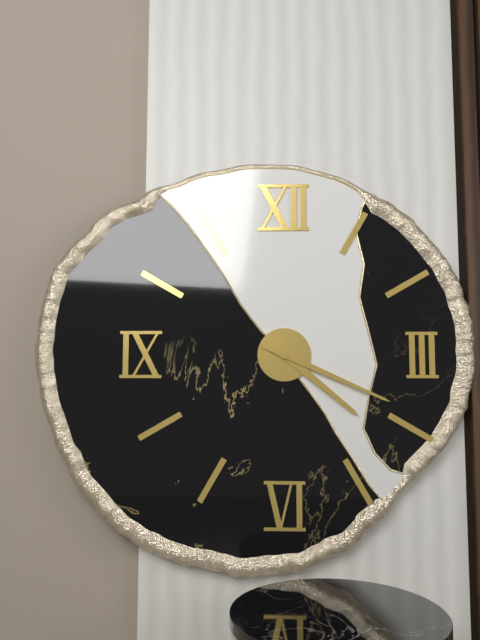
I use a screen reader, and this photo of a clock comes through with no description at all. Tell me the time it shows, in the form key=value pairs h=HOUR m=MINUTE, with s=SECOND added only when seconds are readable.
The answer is h=4 m=19
